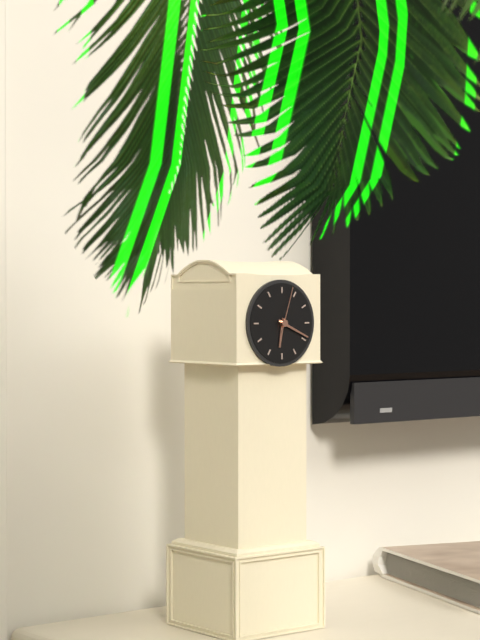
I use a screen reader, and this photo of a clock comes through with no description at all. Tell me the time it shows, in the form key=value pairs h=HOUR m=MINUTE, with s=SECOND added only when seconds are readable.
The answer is h=6 m=19
